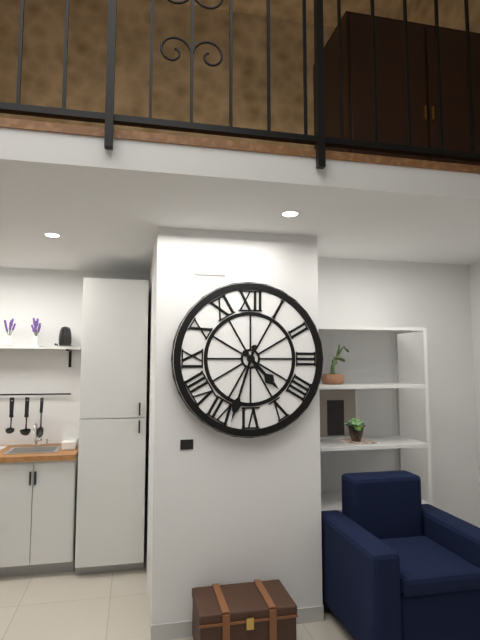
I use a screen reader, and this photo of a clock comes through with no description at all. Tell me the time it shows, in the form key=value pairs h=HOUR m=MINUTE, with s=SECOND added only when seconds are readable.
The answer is h=4 m=33
